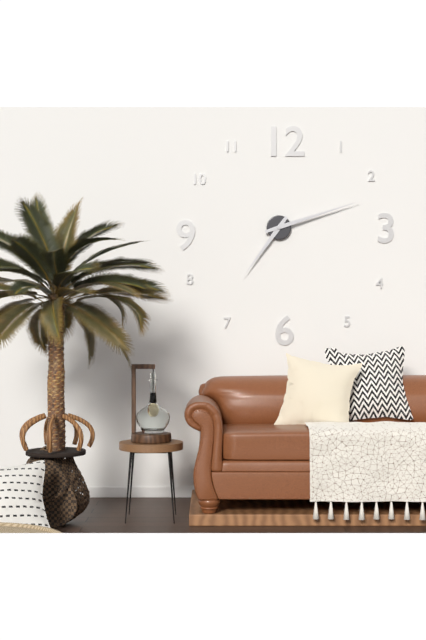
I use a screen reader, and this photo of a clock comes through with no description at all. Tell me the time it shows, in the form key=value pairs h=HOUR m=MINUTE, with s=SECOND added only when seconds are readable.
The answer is h=7 m=12
